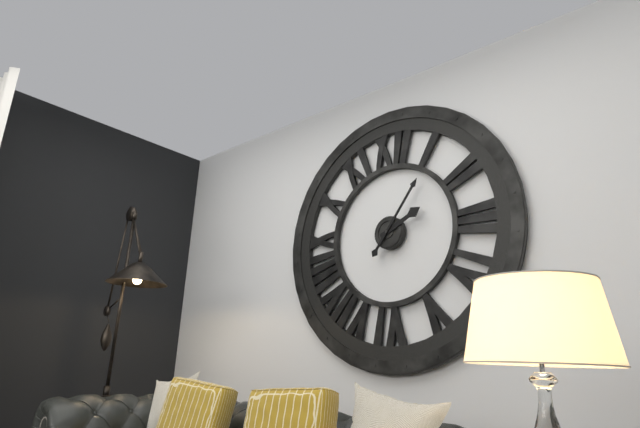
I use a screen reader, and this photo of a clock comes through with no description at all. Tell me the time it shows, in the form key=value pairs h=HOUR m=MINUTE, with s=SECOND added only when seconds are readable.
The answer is h=2 m=6
